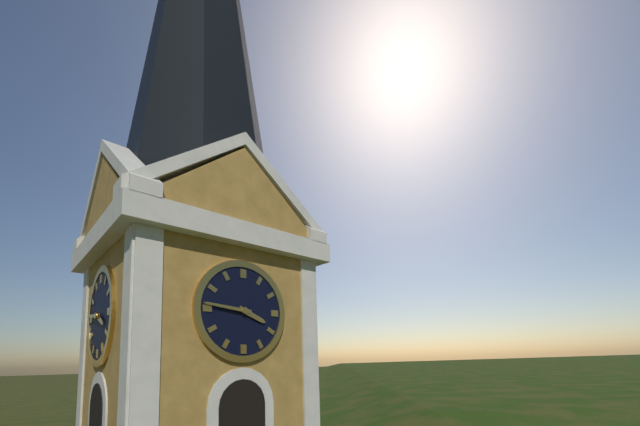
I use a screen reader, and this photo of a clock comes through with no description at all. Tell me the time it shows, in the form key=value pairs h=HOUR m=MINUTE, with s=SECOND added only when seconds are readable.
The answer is h=3 m=46
